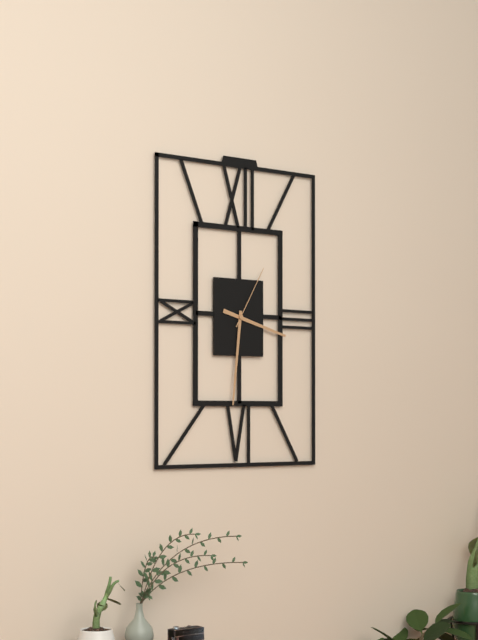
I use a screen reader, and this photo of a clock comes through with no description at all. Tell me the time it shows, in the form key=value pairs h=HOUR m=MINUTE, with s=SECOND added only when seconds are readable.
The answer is h=3 m=31 s=5
